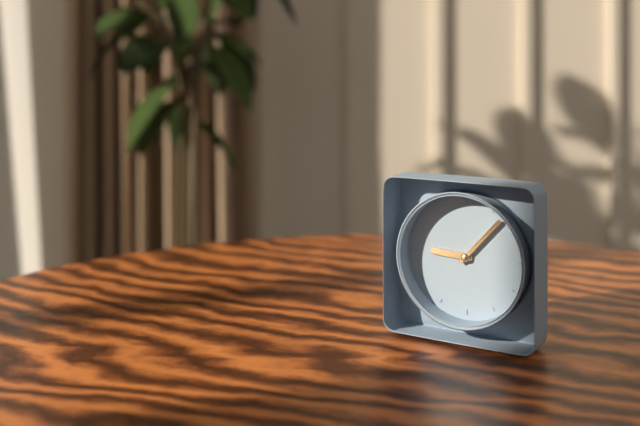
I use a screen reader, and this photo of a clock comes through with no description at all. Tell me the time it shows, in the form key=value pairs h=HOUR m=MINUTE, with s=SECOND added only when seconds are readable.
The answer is h=9 m=7
